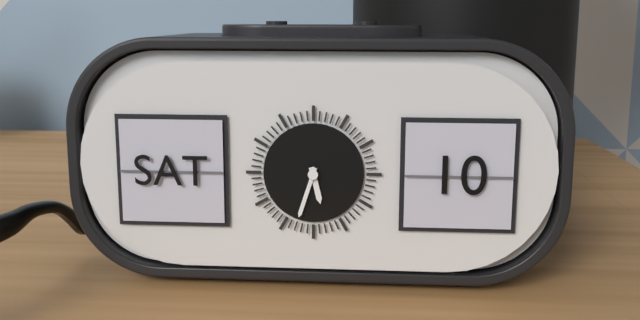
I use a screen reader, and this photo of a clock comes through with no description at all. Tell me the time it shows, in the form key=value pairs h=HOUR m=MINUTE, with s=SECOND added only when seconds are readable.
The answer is h=5 m=33
